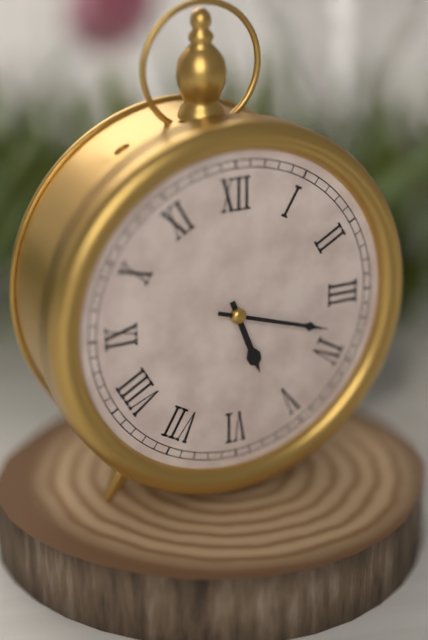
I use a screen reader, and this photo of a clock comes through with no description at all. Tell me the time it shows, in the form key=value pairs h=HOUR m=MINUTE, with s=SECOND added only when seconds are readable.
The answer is h=5 m=18
